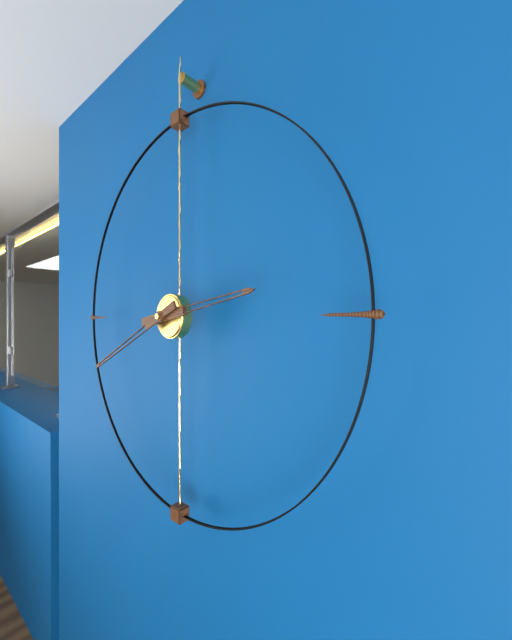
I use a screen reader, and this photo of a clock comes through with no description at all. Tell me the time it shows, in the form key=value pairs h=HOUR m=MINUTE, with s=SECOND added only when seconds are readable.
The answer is h=2 m=41
